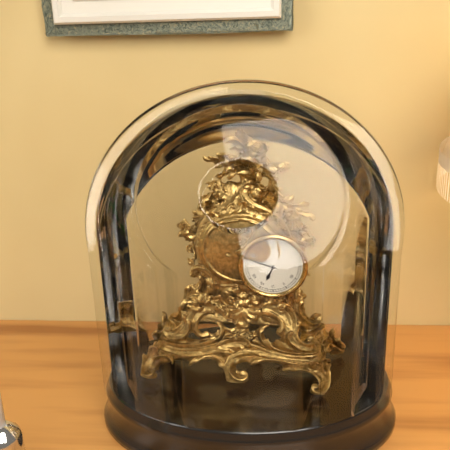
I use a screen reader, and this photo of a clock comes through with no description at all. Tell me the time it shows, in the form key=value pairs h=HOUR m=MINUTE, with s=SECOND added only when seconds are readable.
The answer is h=6 m=48
